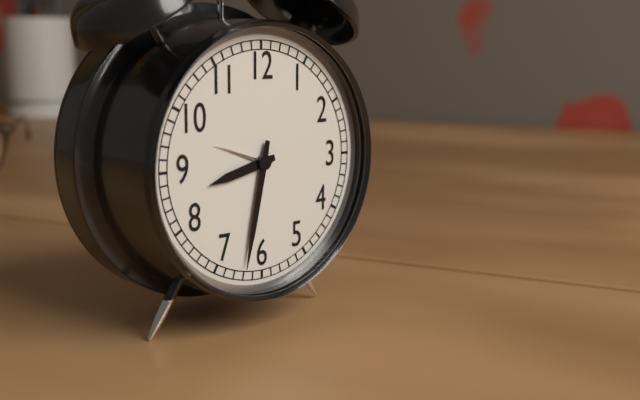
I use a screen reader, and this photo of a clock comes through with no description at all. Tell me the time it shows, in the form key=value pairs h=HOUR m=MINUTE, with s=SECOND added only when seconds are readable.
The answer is h=8 m=32
